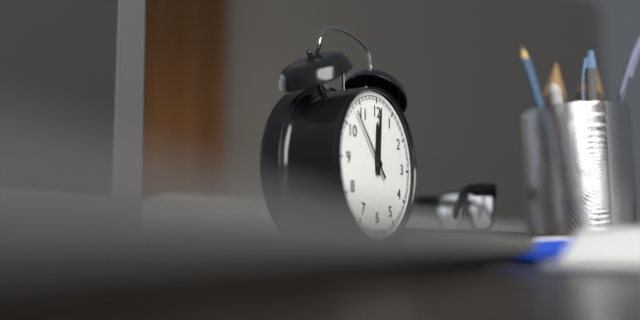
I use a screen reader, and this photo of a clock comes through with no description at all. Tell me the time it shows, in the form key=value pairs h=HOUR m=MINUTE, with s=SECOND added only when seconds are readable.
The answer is h=12 m=1 s=53
